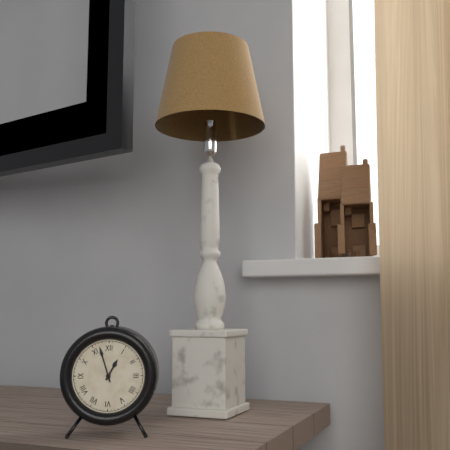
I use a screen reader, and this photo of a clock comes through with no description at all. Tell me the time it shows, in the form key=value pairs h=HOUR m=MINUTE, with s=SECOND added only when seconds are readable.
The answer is h=12 m=57
